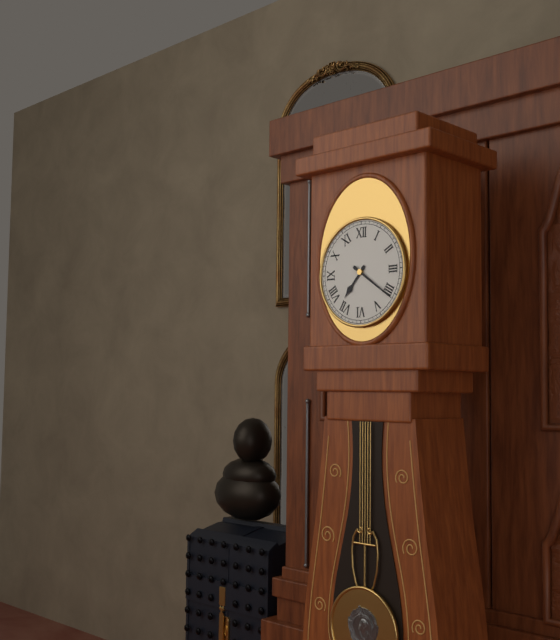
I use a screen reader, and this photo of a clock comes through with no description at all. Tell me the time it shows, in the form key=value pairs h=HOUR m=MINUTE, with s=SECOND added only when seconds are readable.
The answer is h=7 m=21
